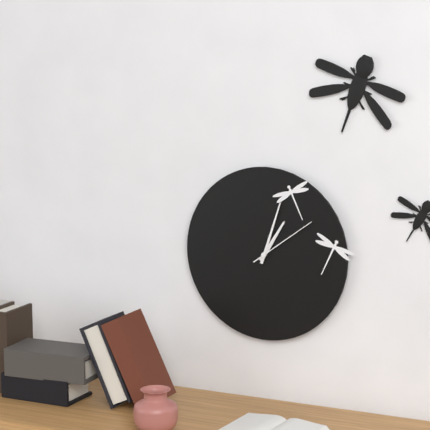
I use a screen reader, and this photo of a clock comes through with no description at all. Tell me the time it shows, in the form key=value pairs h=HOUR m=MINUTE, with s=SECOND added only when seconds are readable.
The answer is h=1 m=3 s=9
